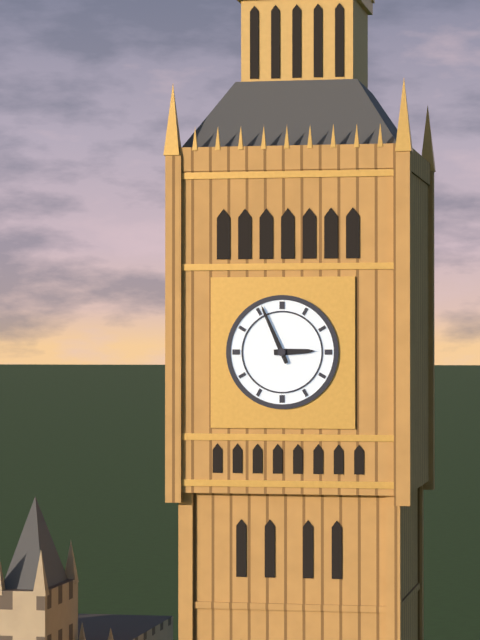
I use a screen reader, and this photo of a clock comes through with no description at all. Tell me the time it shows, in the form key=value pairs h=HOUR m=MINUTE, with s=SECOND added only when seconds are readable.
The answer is h=2 m=56
